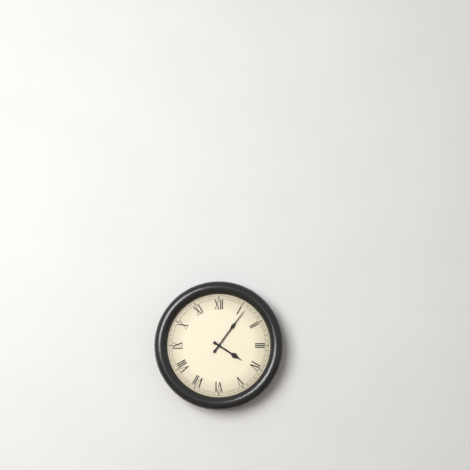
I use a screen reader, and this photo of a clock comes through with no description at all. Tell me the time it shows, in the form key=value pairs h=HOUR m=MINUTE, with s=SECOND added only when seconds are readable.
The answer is h=4 m=6
